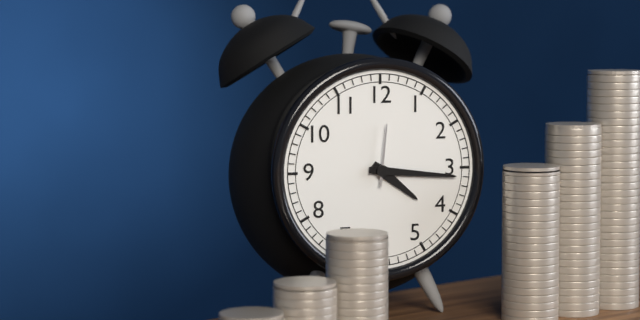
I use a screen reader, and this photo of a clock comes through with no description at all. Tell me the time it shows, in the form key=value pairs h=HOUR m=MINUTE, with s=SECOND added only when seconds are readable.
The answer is h=4 m=16 s=1
